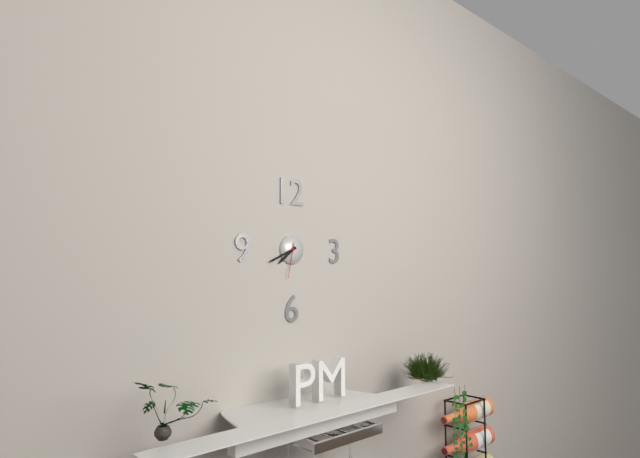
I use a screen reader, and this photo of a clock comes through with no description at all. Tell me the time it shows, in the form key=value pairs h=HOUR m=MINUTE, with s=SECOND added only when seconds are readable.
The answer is h=7 m=41
